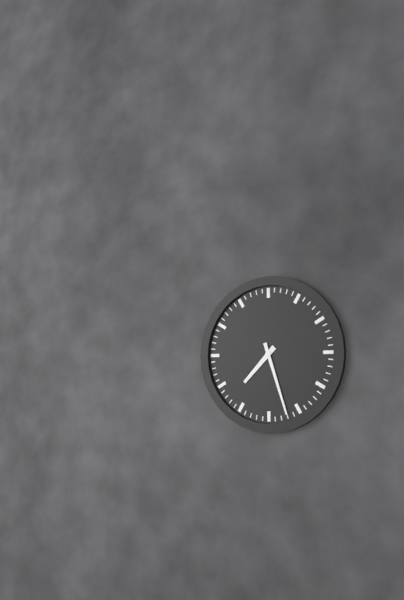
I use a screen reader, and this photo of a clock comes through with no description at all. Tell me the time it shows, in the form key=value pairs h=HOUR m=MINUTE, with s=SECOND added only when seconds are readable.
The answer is h=7 m=27
